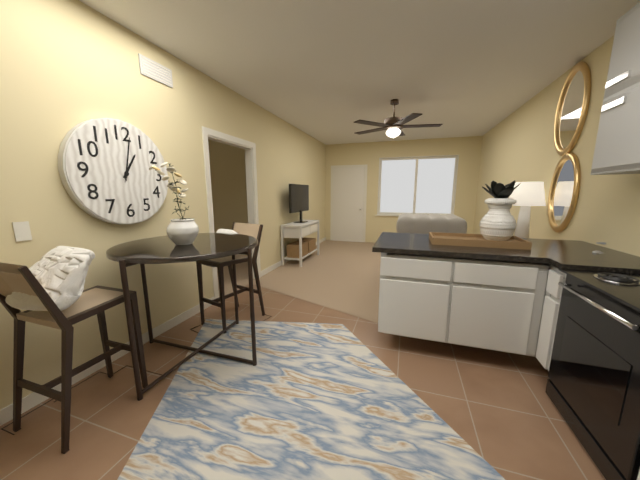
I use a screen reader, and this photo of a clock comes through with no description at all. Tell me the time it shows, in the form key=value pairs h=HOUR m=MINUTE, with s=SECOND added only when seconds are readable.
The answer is h=1 m=2
